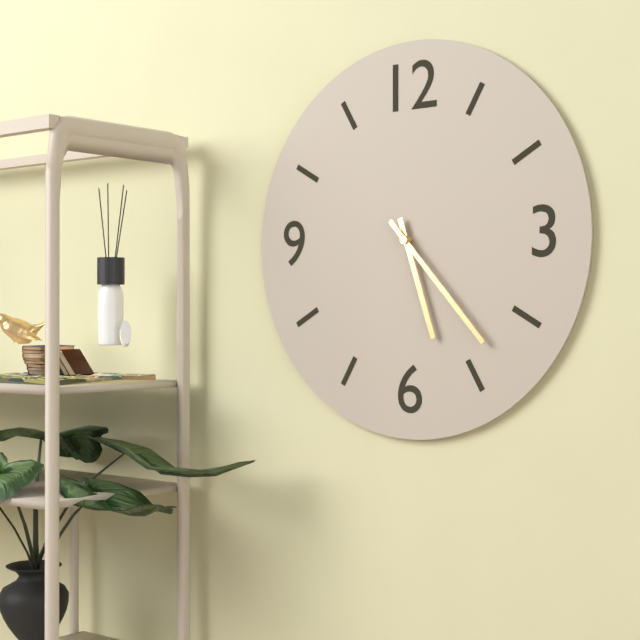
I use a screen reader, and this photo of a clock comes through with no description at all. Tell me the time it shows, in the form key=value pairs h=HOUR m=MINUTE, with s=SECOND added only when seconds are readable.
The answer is h=5 m=23
